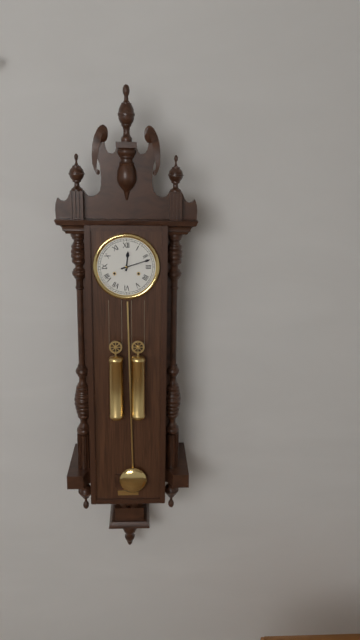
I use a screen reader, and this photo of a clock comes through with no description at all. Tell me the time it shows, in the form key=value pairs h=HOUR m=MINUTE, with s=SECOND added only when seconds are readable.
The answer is h=12 m=12
